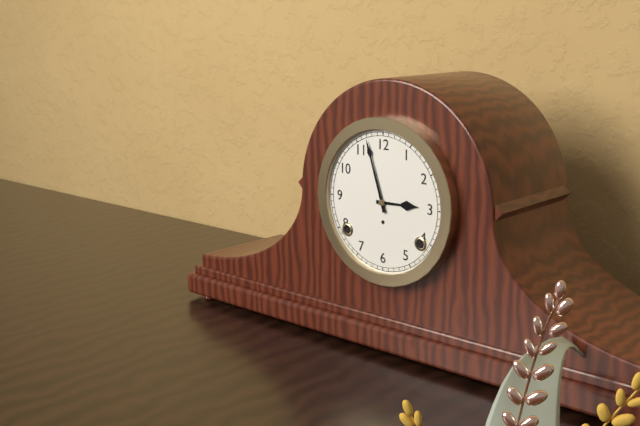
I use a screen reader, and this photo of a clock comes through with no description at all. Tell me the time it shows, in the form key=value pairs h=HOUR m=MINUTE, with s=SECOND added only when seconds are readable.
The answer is h=2 m=57
